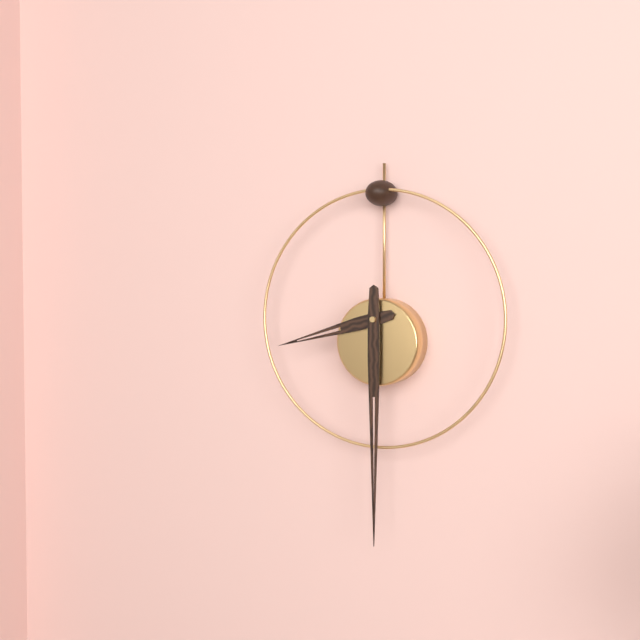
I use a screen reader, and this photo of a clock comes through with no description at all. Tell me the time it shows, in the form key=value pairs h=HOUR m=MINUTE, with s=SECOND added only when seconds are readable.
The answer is h=8 m=30
